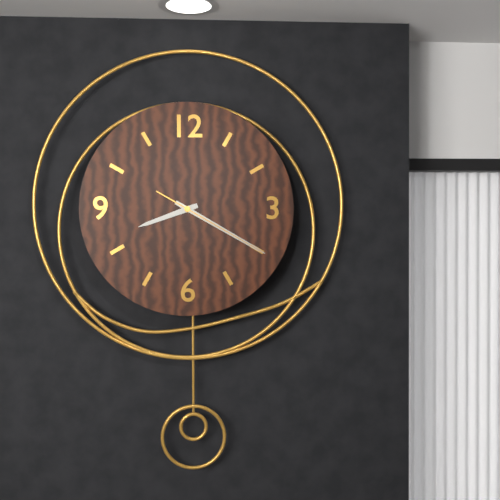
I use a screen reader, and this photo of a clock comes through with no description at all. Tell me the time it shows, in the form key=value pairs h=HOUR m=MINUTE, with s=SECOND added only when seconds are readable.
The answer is h=8 m=20 s=20
